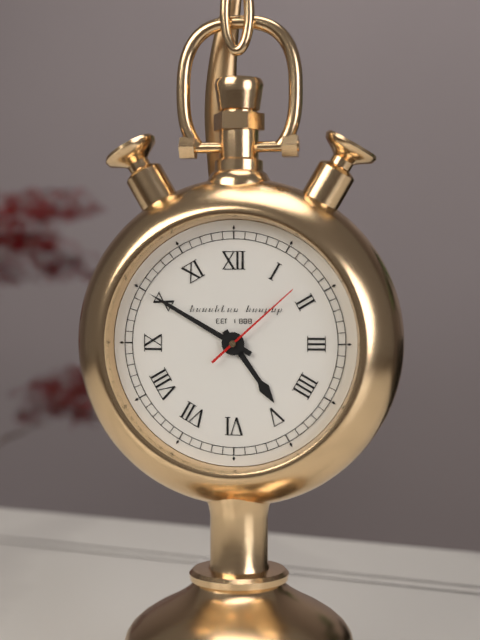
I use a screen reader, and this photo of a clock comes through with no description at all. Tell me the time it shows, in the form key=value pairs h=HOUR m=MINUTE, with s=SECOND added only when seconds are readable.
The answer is h=4 m=50 s=8
